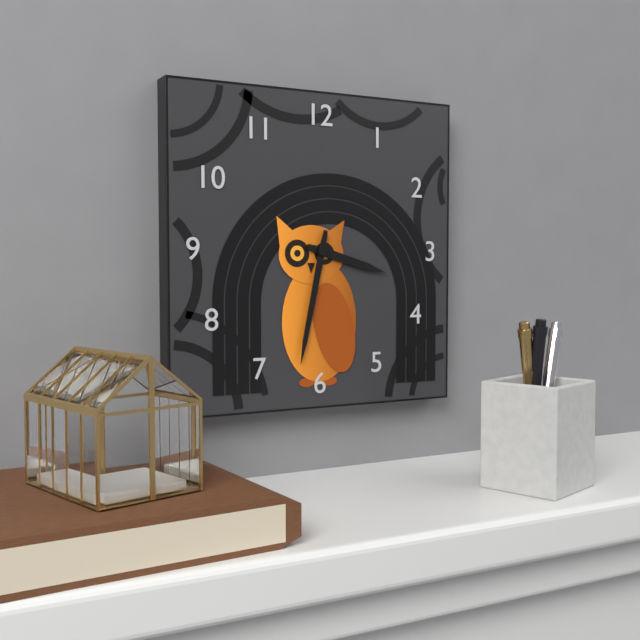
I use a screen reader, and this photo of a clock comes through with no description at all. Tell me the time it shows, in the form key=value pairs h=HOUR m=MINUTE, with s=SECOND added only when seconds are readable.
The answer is h=3 m=32
